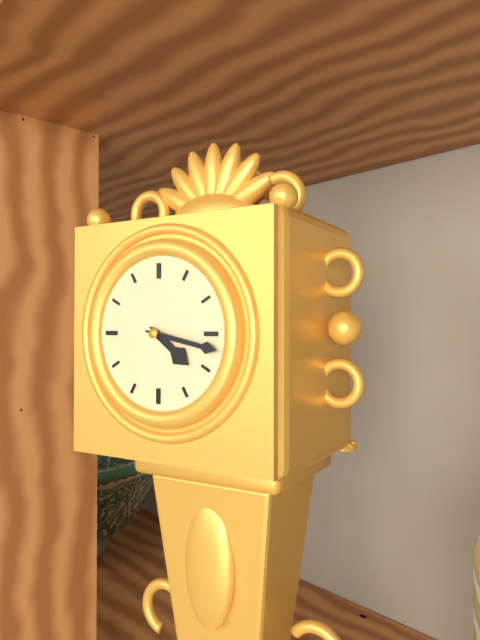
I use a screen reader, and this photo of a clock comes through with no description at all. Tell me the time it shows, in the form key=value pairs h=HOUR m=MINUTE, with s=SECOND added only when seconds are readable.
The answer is h=4 m=17
